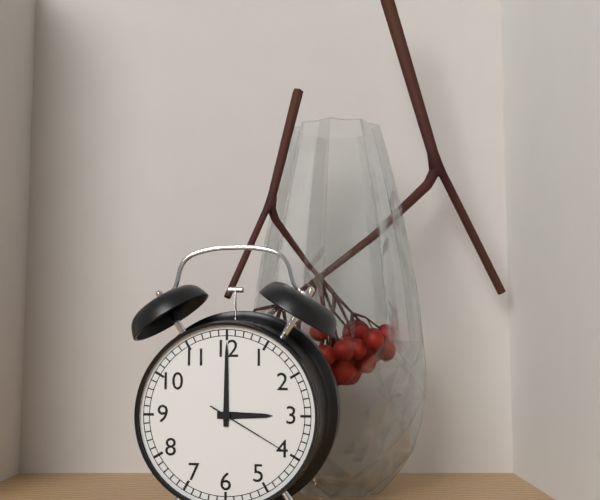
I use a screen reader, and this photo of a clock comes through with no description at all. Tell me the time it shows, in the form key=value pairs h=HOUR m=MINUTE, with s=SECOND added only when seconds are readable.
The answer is h=3 m=0 s=20
